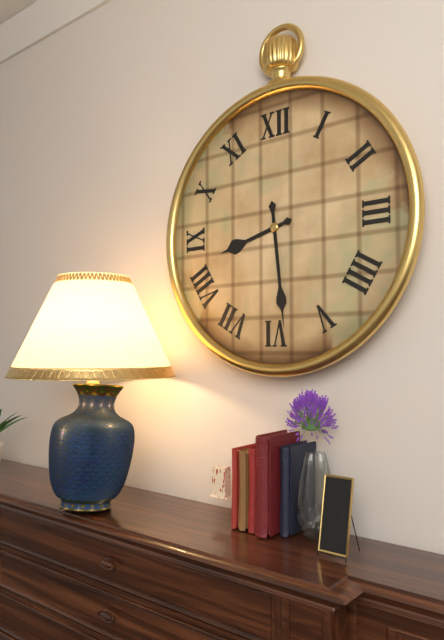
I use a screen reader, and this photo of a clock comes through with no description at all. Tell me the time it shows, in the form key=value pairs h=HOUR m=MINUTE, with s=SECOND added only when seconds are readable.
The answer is h=8 m=29
